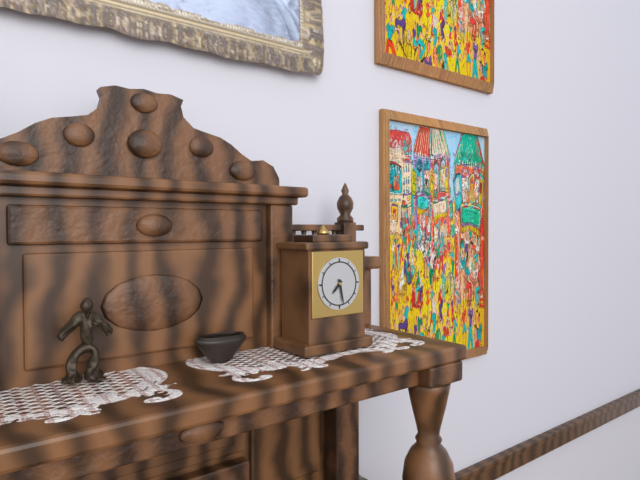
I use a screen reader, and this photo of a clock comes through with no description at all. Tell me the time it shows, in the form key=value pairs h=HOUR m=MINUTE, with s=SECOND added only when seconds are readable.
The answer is h=7 m=28
